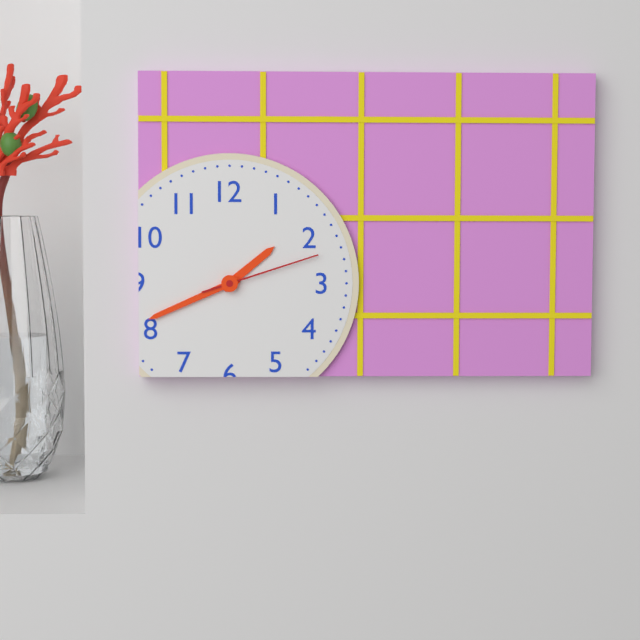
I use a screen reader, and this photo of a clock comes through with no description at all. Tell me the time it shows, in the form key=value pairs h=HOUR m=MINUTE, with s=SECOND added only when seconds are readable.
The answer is h=1 m=41 s=12
